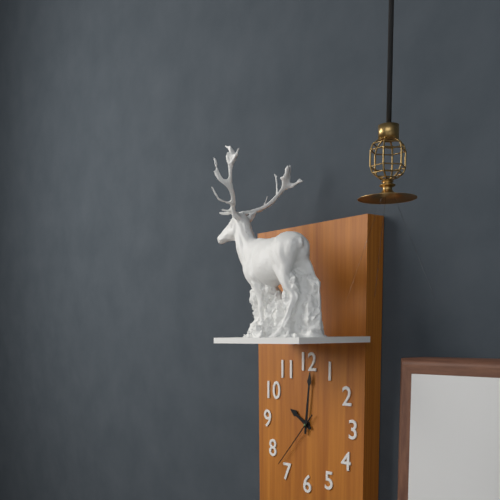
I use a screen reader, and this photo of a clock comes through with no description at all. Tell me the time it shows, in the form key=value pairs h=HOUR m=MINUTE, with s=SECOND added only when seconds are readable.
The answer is h=10 m=1 s=37
